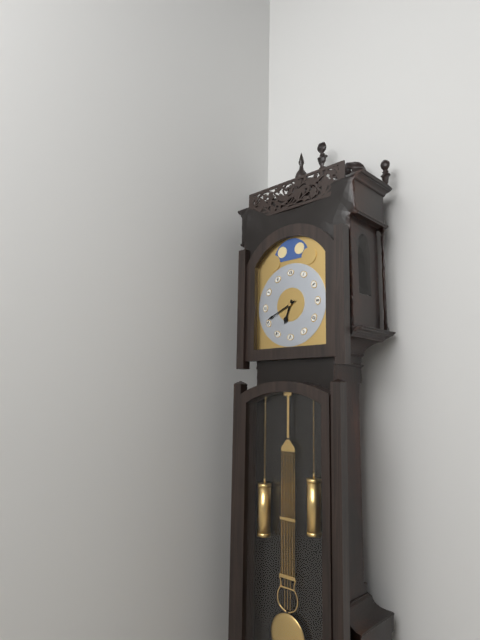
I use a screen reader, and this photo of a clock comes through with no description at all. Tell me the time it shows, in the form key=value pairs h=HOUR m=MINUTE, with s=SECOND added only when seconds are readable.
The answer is h=6 m=41
